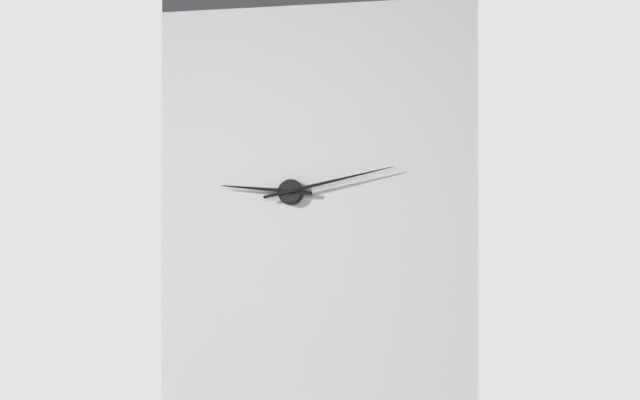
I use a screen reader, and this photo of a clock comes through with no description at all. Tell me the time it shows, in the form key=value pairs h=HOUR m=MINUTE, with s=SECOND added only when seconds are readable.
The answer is h=9 m=13
